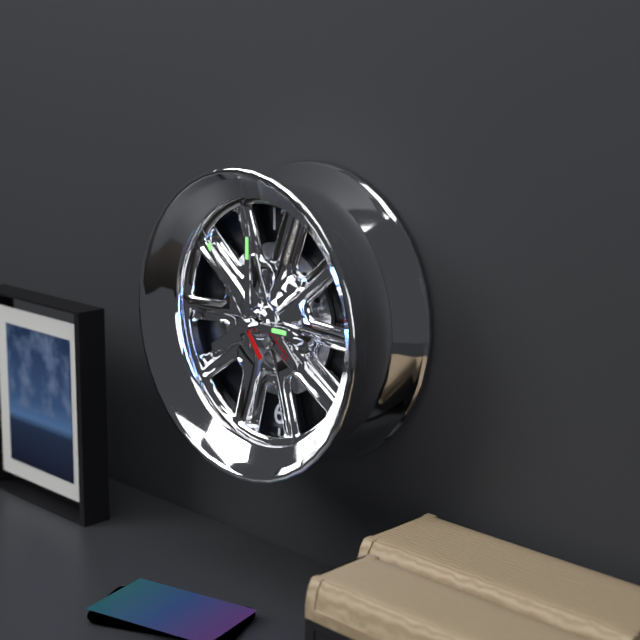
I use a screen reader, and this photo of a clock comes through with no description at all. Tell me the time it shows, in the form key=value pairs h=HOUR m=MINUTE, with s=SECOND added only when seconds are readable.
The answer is h=3 m=0 s=54
